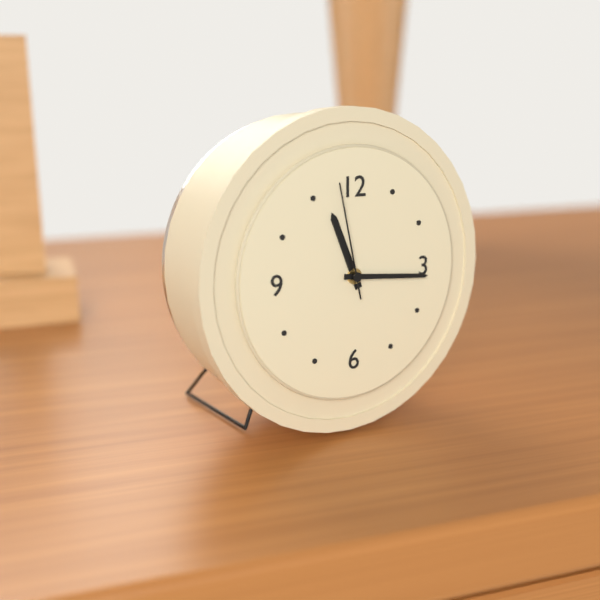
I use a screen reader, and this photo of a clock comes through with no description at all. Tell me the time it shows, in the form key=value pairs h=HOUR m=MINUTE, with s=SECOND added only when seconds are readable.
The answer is h=11 m=16 s=58
